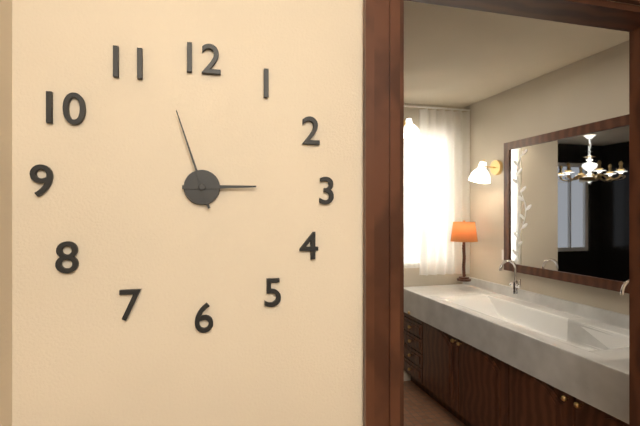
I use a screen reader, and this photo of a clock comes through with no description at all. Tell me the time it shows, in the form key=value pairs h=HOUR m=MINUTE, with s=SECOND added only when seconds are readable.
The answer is h=2 m=57
